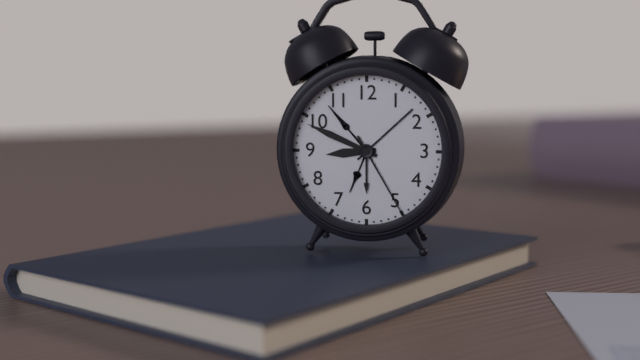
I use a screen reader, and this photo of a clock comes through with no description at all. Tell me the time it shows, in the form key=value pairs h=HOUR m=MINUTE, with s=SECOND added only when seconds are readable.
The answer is h=8 m=49 s=25
